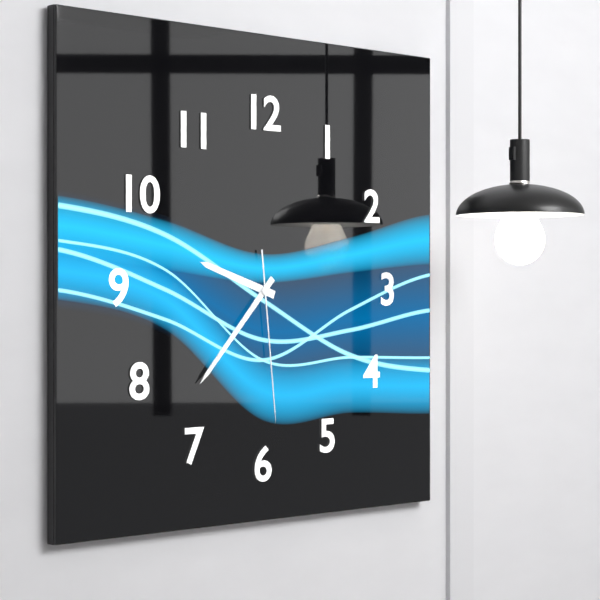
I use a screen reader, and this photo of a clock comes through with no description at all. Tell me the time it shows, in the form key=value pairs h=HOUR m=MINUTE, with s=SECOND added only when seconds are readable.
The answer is h=9 m=37 s=29
